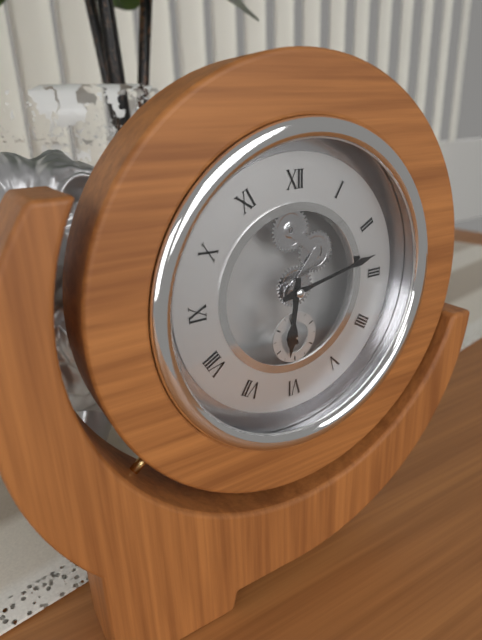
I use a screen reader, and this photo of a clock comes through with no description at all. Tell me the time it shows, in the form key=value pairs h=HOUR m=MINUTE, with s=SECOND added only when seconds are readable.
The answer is h=6 m=13
